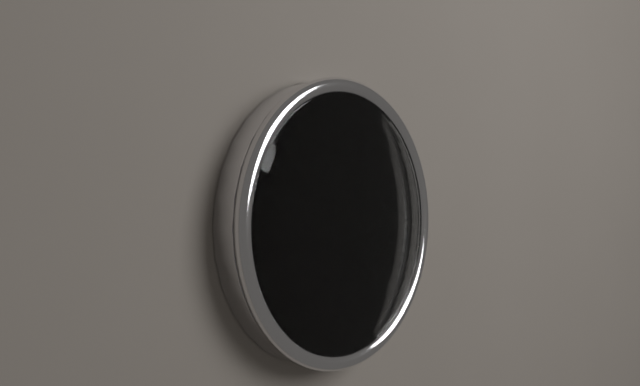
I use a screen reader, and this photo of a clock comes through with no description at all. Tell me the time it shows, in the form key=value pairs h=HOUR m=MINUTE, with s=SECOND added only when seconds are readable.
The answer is h=5 m=35
